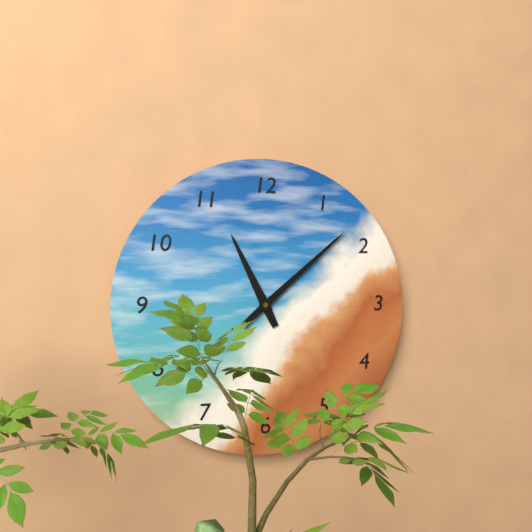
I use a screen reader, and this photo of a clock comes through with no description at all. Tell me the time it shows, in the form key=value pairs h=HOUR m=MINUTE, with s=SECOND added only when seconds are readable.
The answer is h=11 m=8
